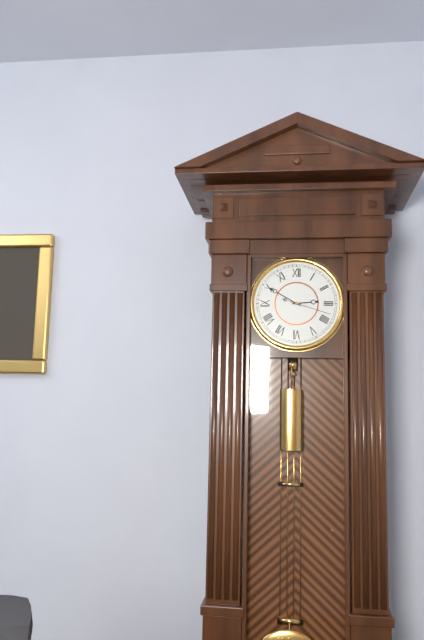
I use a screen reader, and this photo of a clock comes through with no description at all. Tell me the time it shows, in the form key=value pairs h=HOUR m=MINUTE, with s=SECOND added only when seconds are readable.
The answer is h=2 m=50
